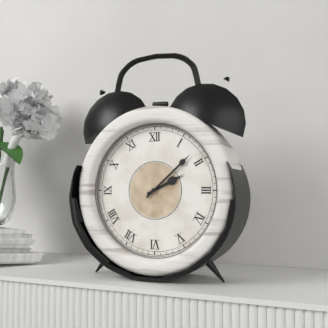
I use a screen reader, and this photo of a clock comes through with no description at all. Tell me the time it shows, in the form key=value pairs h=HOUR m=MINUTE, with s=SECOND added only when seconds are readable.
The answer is h=2 m=8
